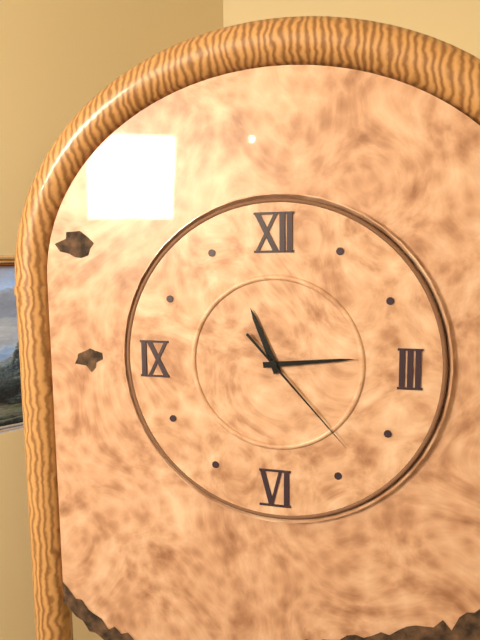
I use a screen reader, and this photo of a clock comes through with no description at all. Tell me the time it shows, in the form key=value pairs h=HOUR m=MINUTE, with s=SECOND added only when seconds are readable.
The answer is h=11 m=14 s=23
